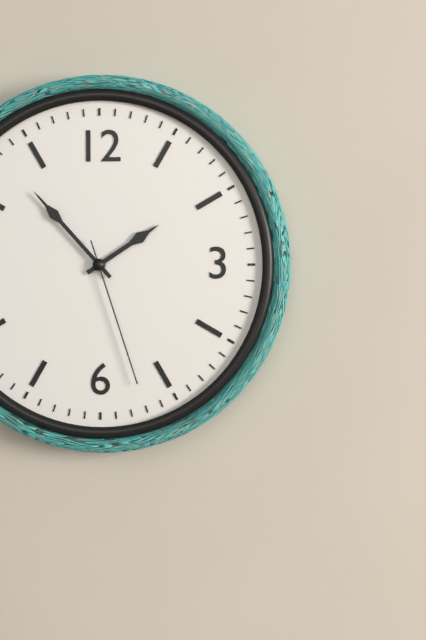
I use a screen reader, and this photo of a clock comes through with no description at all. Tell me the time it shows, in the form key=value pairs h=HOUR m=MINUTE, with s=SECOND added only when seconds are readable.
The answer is h=1 m=53 s=27
